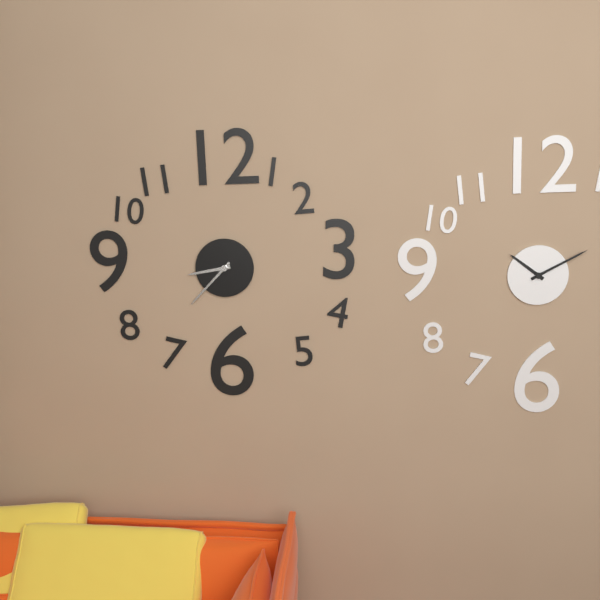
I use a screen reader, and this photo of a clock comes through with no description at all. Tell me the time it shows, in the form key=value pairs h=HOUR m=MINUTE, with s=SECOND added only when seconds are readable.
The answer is h=8 m=37
